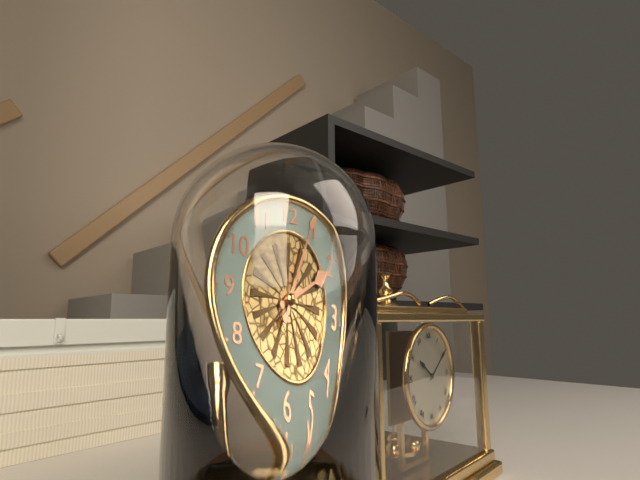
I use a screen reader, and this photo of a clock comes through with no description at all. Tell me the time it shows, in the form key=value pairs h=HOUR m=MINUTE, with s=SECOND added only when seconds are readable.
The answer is h=2 m=4
